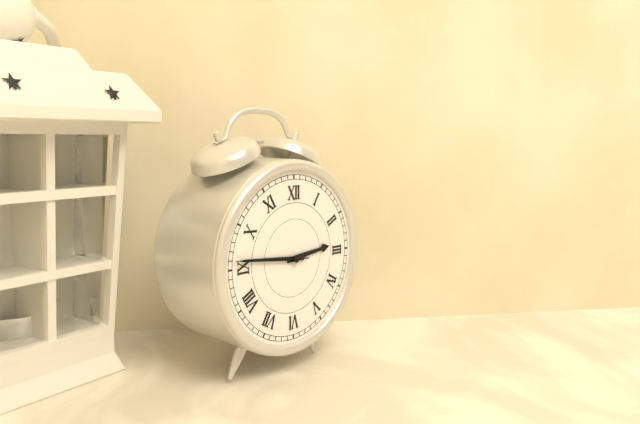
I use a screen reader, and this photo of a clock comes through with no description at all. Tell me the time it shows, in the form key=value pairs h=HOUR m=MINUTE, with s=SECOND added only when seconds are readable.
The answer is h=2 m=46 s=46
